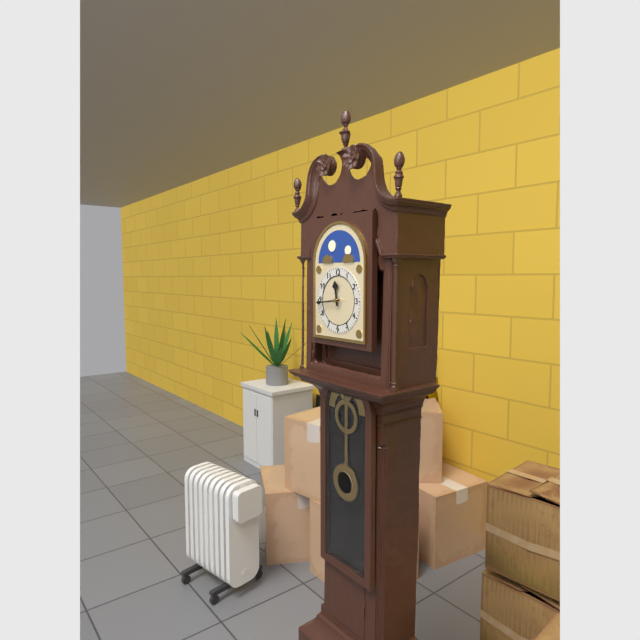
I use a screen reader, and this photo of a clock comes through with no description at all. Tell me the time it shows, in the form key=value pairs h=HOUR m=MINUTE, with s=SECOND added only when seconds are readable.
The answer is h=11 m=44
